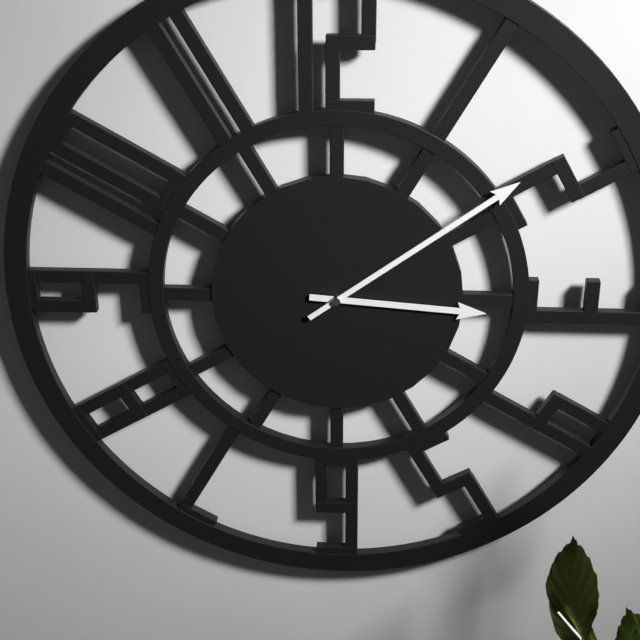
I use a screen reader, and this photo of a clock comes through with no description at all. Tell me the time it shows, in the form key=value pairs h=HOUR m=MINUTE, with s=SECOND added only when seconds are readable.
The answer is h=3 m=9
